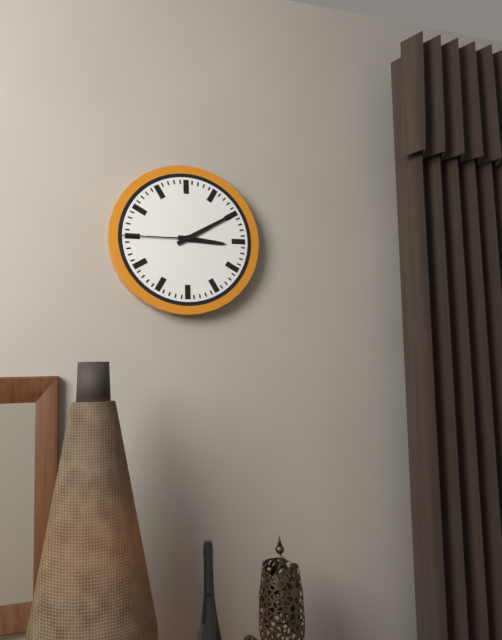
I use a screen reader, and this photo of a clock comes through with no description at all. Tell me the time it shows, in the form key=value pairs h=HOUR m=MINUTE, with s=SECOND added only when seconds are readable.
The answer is h=3 m=10 s=45
